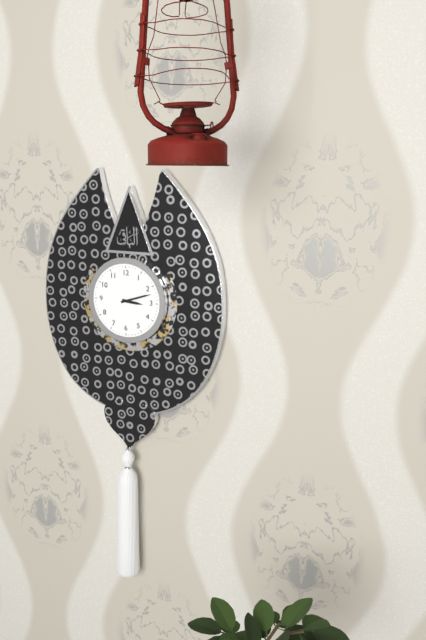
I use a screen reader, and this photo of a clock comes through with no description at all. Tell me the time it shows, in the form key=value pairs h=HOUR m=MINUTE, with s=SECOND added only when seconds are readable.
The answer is h=3 m=12
